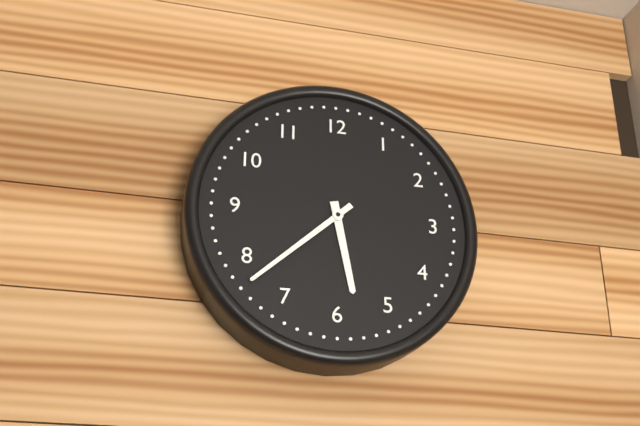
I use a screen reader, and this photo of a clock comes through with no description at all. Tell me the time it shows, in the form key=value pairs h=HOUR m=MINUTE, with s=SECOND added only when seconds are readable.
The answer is h=5 m=38
